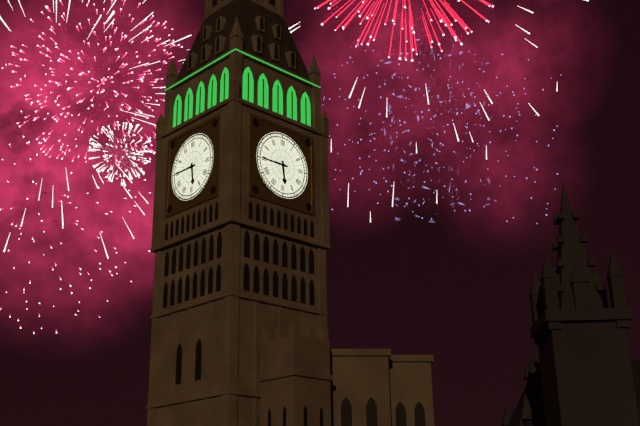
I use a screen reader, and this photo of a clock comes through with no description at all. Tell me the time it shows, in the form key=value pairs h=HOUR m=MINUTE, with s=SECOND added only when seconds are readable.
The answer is h=5 m=45
